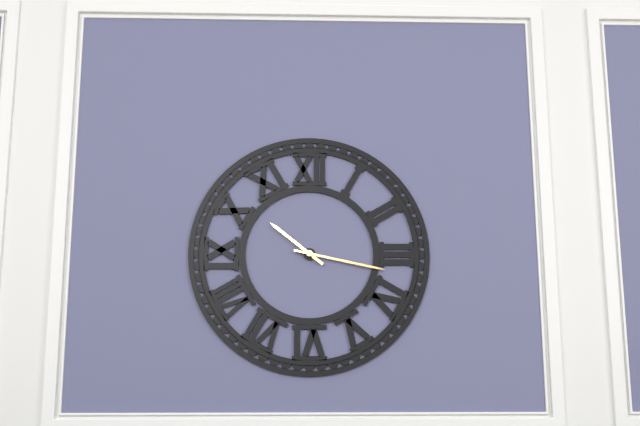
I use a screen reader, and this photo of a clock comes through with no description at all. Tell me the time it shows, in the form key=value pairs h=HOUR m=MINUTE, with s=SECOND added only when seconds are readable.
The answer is h=10 m=17
